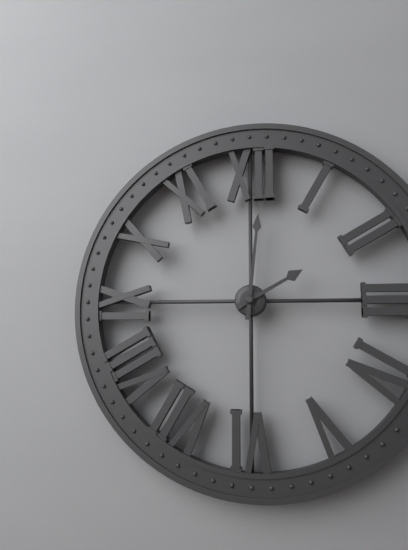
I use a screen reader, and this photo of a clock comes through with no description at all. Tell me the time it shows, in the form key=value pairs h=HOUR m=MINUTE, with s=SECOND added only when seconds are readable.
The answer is h=2 m=1
